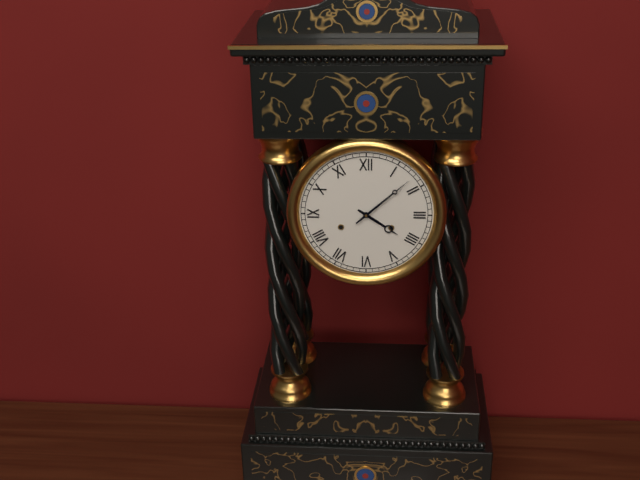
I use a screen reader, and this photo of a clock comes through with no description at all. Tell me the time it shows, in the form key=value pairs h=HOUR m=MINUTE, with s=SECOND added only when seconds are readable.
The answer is h=4 m=8
